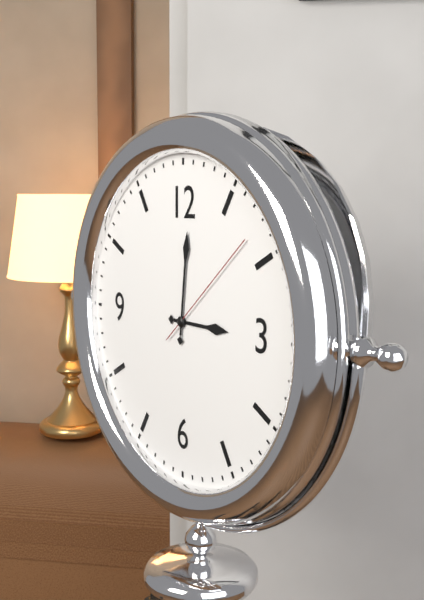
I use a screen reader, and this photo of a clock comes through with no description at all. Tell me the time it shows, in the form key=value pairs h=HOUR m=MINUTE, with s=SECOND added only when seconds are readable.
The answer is h=3 m=1 s=8
